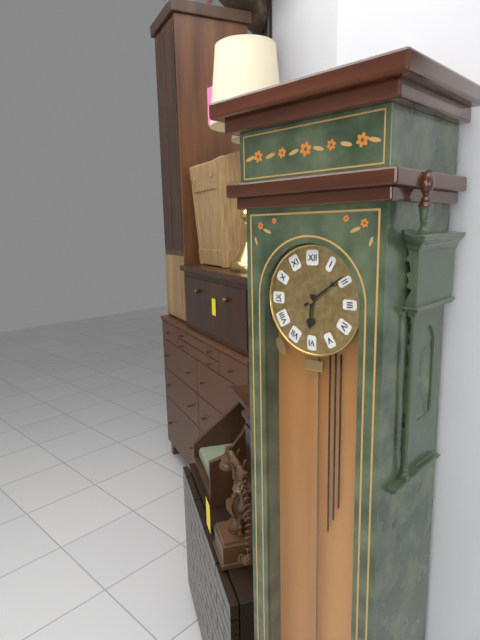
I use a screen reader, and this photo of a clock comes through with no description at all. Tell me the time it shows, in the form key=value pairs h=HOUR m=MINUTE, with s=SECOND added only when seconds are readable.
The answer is h=6 m=9
